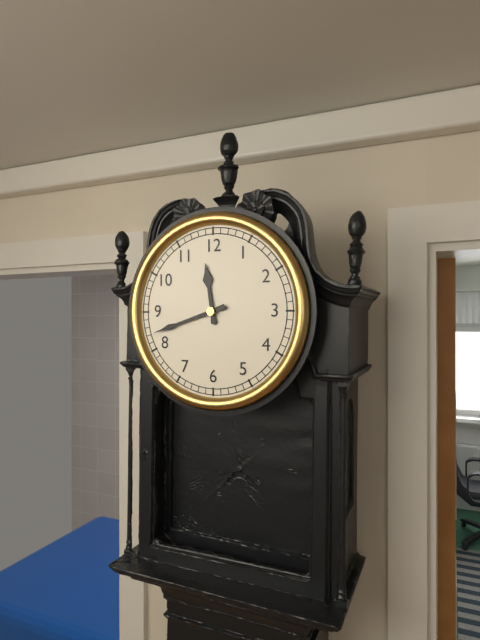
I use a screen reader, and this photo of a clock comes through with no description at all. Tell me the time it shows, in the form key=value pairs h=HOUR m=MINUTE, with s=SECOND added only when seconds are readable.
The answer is h=11 m=42
